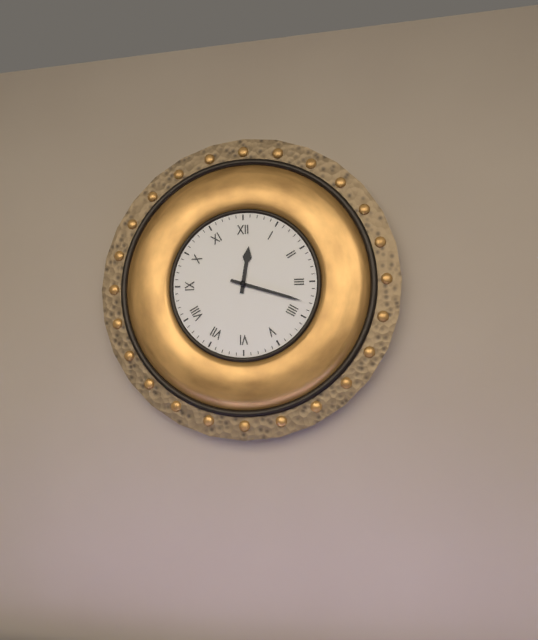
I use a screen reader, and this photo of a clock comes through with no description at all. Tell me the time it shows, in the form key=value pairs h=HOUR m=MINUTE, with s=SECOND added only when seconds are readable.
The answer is h=12 m=18
